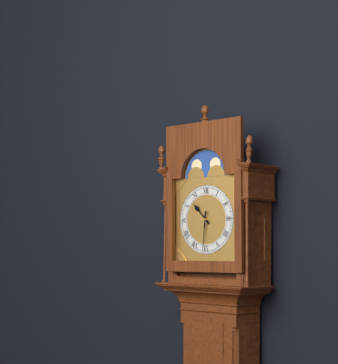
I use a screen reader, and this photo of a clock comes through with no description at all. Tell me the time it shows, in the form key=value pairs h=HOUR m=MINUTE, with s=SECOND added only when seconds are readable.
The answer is h=10 m=31
